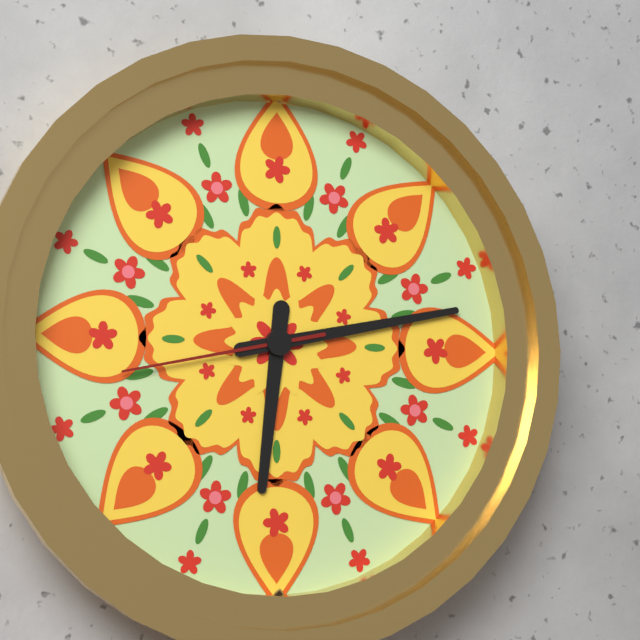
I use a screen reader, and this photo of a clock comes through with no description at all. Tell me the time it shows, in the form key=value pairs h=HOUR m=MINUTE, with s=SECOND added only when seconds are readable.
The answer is h=6 m=13 s=43
